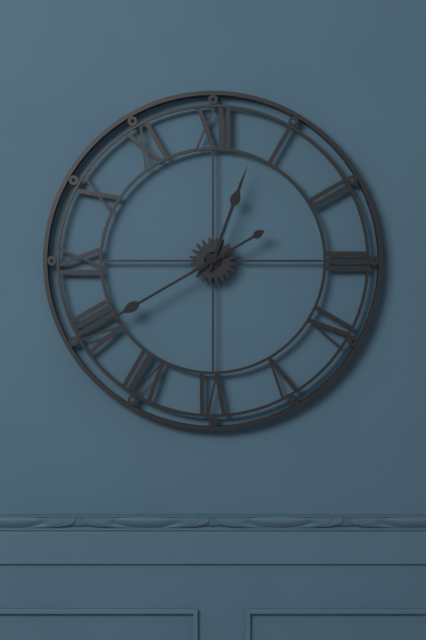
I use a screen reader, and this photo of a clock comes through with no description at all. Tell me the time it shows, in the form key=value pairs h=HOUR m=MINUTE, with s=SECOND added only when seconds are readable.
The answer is h=12 m=40
